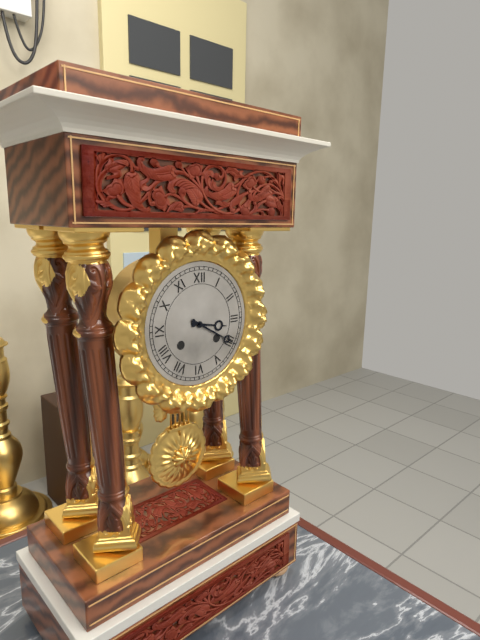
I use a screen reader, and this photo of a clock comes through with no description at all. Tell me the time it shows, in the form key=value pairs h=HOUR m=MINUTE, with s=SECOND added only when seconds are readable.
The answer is h=3 m=20
